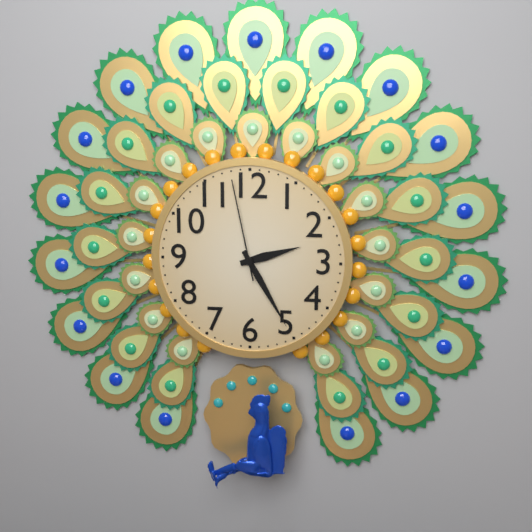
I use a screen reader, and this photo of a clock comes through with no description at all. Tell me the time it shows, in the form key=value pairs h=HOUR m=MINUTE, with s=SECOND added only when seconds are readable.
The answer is h=2 m=25 s=58
